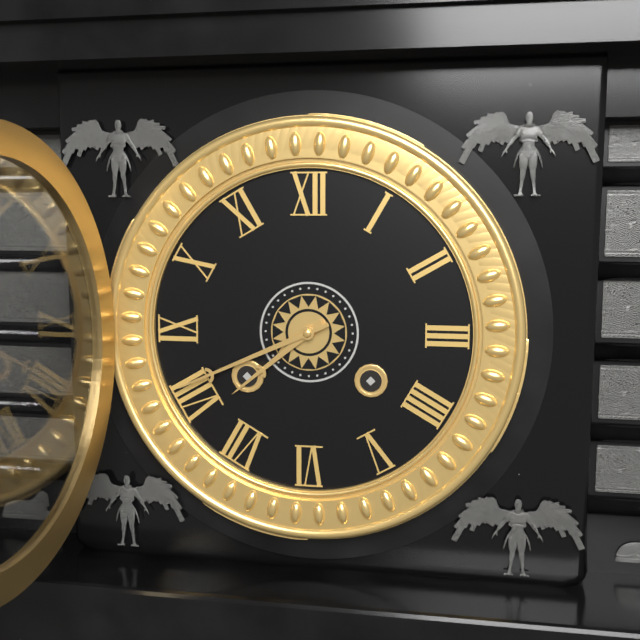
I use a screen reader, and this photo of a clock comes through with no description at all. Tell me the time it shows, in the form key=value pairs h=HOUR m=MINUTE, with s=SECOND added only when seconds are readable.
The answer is h=7 m=41
